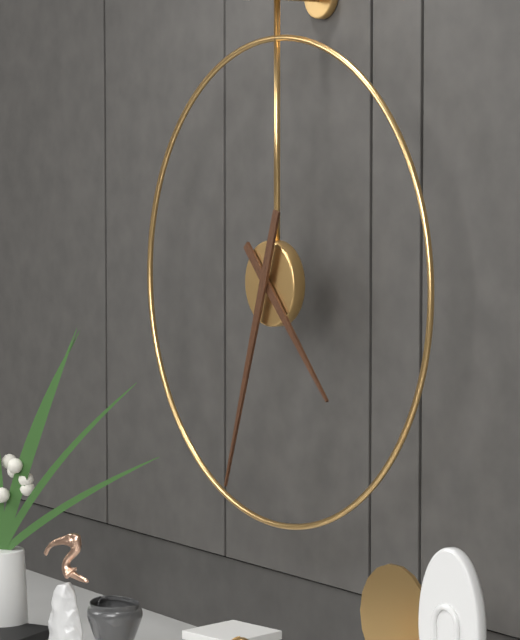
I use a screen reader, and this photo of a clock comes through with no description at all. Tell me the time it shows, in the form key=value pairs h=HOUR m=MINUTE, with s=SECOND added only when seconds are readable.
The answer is h=4 m=33
